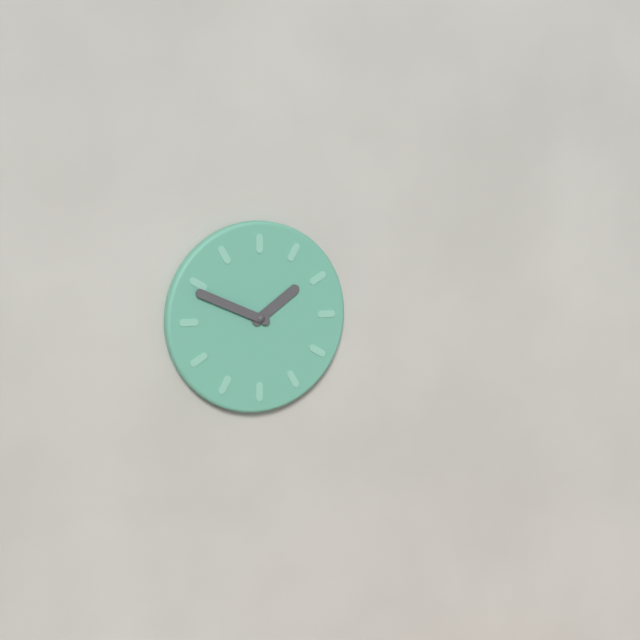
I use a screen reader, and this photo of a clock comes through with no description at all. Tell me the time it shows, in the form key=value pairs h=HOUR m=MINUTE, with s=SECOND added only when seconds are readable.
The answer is h=1 m=49
